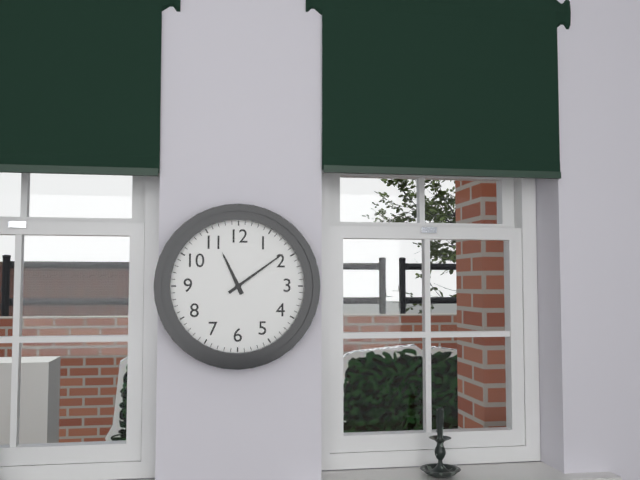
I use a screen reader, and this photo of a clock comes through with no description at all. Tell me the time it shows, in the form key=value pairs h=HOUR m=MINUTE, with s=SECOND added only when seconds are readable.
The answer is h=11 m=9
